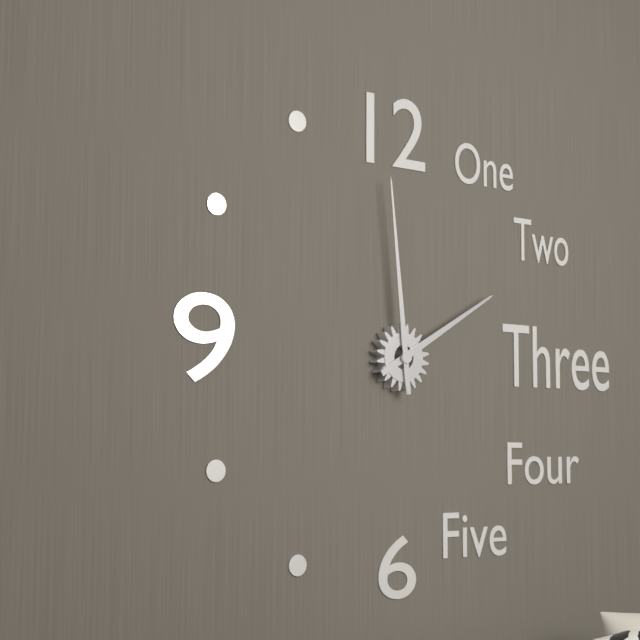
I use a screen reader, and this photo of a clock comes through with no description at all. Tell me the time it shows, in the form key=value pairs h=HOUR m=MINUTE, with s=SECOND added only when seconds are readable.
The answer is h=1 m=59
